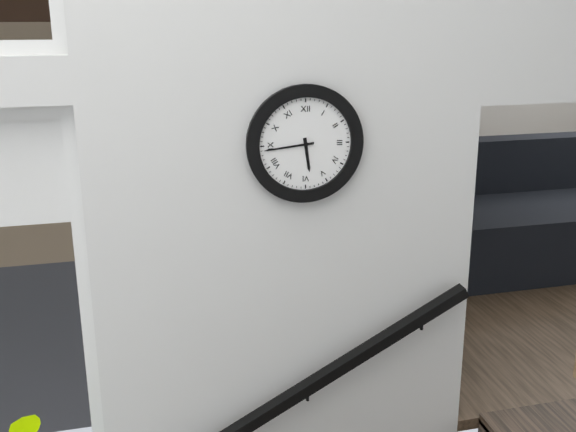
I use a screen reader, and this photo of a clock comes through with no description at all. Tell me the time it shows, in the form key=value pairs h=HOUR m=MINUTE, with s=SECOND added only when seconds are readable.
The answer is h=5 m=44
